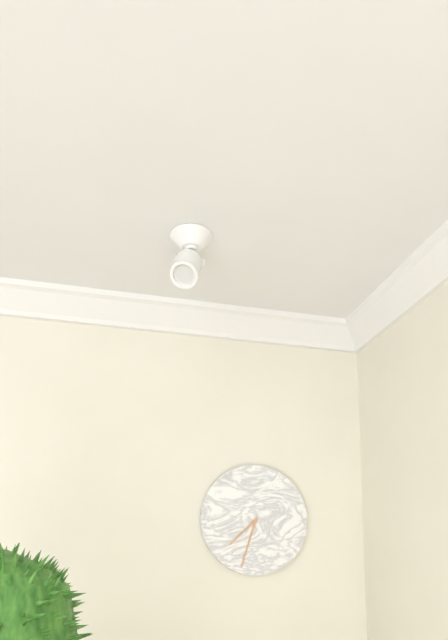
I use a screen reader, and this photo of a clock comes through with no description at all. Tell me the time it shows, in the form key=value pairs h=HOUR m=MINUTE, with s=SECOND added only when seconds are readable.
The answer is h=7 m=33
